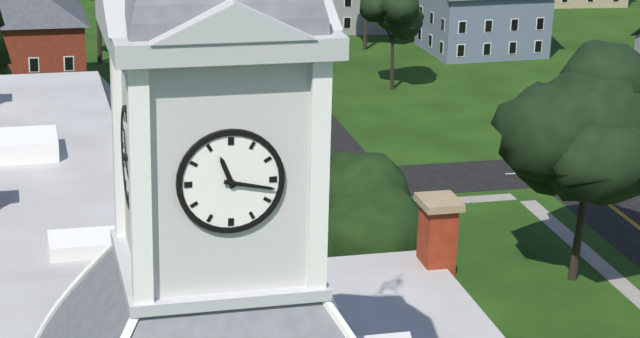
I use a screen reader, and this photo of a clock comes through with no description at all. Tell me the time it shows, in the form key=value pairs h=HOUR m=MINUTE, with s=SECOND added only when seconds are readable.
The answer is h=11 m=17
